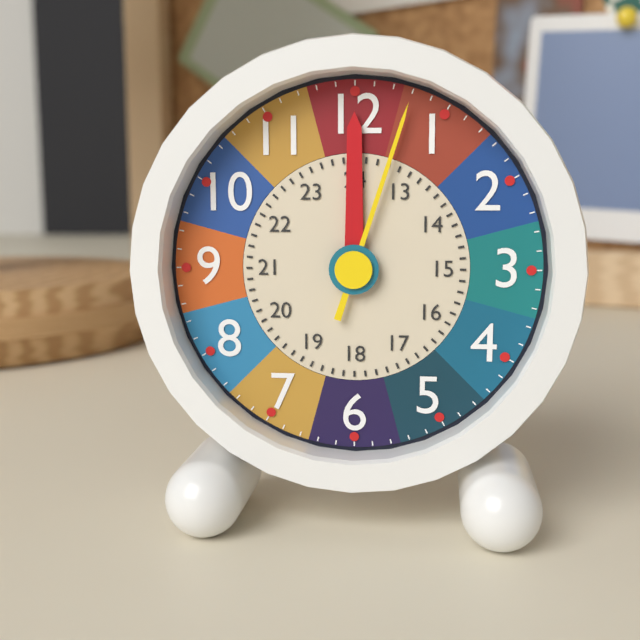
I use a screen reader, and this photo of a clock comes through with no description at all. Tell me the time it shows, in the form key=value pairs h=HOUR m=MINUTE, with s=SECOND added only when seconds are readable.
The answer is h=12 m=0 s=3
